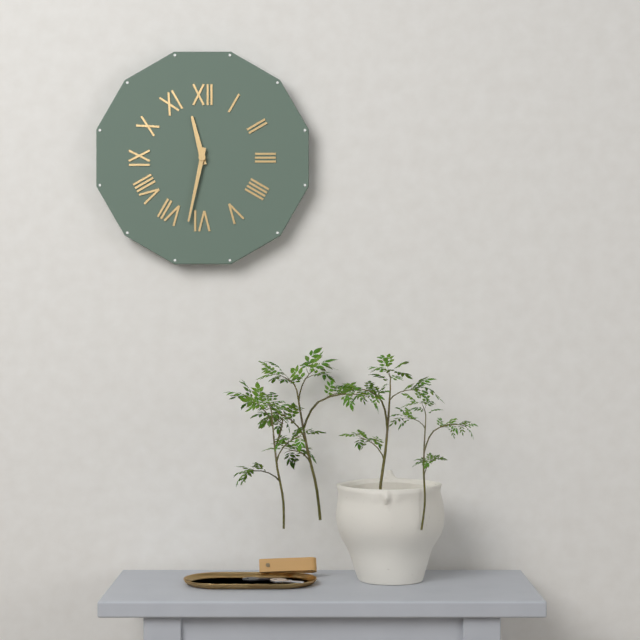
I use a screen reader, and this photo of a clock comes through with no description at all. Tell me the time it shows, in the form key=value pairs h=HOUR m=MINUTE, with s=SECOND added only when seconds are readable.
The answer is h=11 m=32
